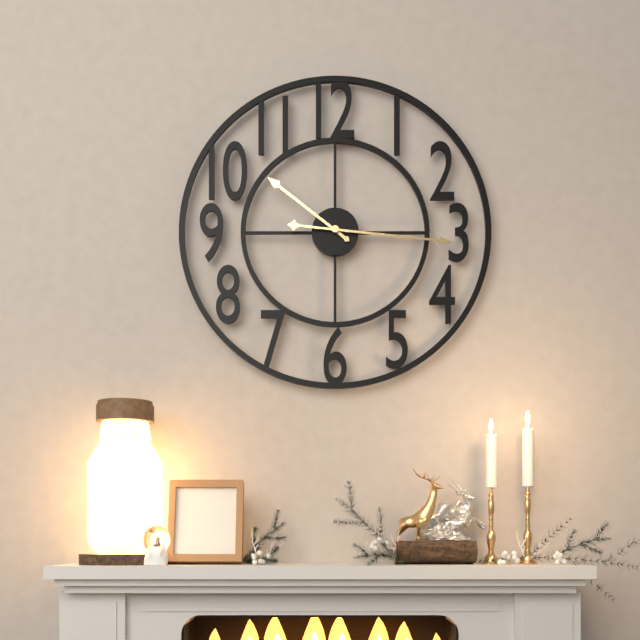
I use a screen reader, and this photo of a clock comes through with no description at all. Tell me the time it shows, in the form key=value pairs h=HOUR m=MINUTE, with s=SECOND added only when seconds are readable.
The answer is h=10 m=16
